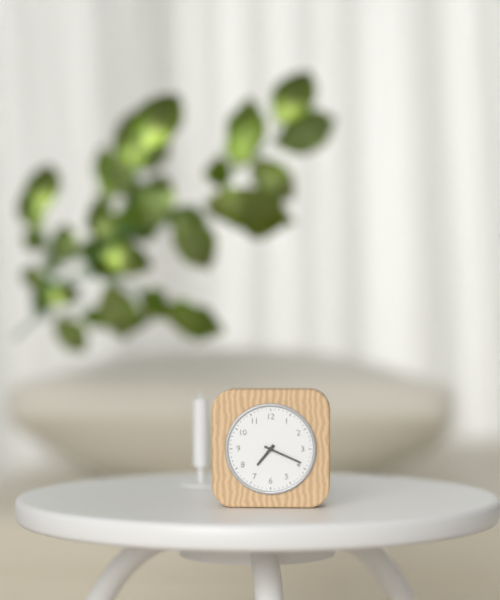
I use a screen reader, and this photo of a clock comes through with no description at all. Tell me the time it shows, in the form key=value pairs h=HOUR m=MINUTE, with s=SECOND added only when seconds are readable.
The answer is h=7 m=19
